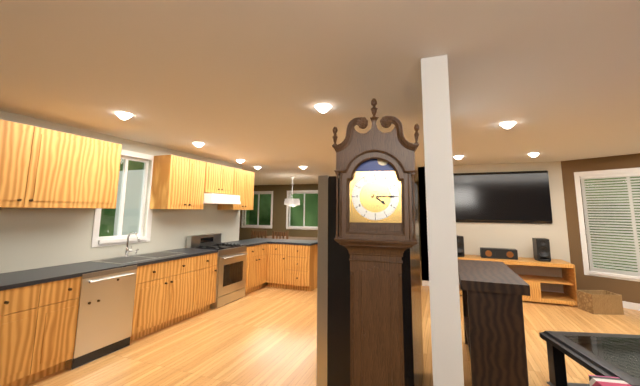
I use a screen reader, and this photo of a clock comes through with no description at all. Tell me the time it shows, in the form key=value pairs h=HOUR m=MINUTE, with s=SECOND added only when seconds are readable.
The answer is h=4 m=15
